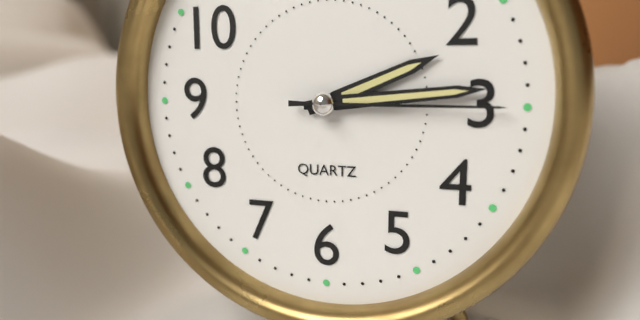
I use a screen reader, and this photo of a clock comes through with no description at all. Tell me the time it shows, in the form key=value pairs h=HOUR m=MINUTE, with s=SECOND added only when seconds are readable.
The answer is h=2 m=14 s=15
